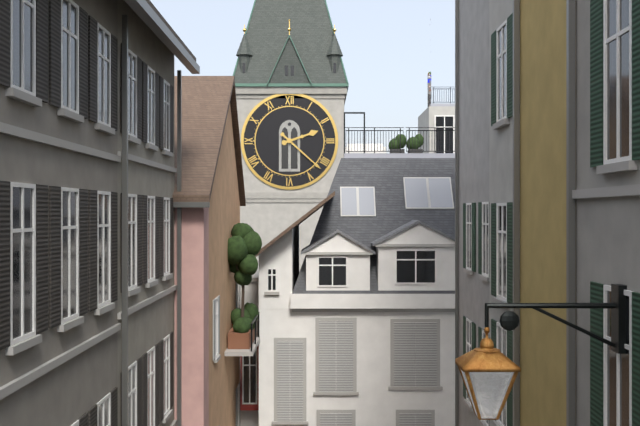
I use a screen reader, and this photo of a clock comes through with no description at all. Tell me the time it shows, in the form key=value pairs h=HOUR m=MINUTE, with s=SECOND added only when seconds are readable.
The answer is h=2 m=22
